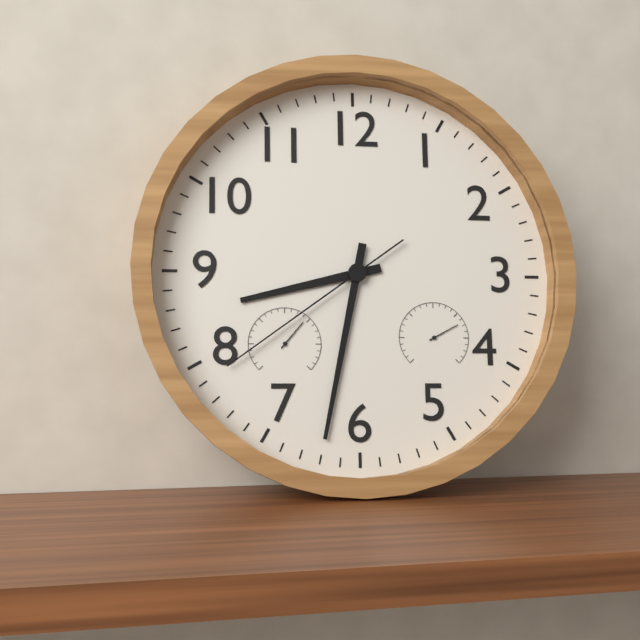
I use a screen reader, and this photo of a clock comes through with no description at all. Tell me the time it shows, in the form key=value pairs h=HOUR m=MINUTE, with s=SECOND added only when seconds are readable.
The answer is h=8 m=32 s=39
